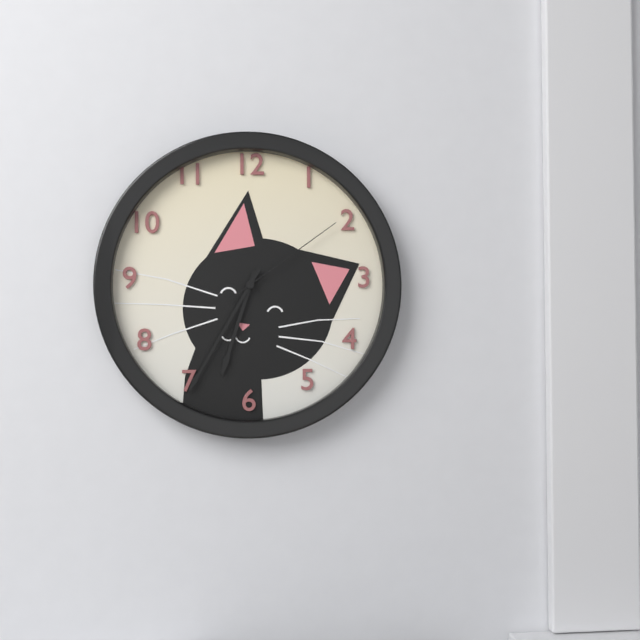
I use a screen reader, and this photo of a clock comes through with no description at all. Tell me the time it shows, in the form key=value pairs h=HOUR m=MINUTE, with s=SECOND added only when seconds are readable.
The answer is h=6 m=35 s=9
